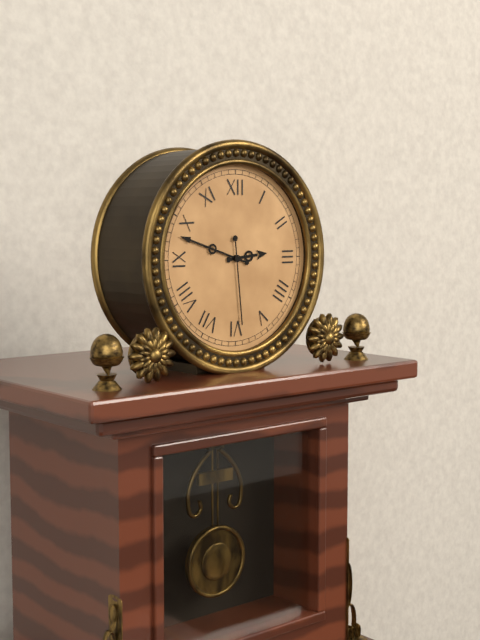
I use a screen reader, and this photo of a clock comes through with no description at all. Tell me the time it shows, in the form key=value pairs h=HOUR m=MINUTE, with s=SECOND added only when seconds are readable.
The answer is h=2 m=48 s=29
